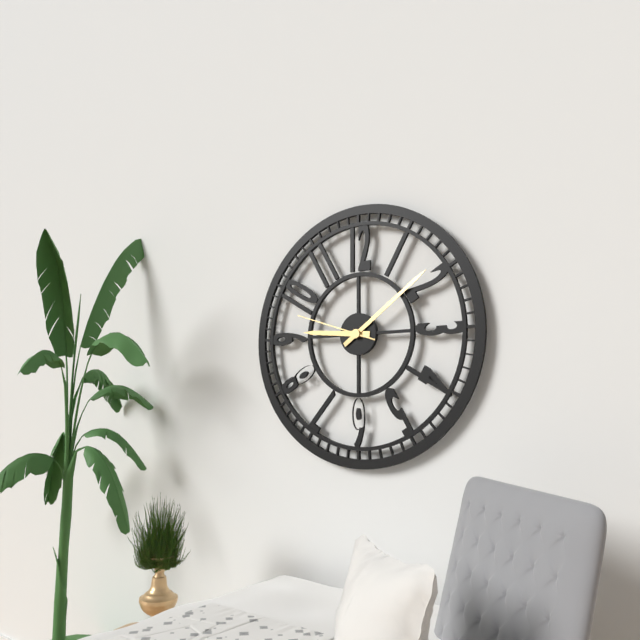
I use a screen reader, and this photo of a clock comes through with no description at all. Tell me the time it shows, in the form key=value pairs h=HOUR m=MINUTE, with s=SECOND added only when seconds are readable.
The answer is h=9 m=9 s=48
